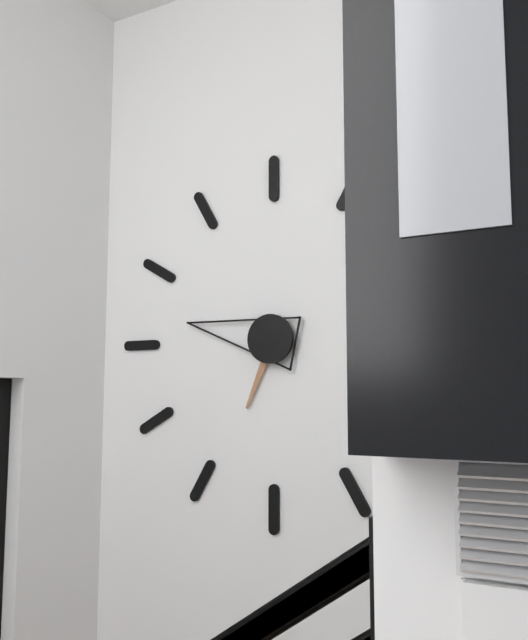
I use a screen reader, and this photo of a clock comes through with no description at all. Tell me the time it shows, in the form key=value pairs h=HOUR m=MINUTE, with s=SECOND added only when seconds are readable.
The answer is h=6 m=47
